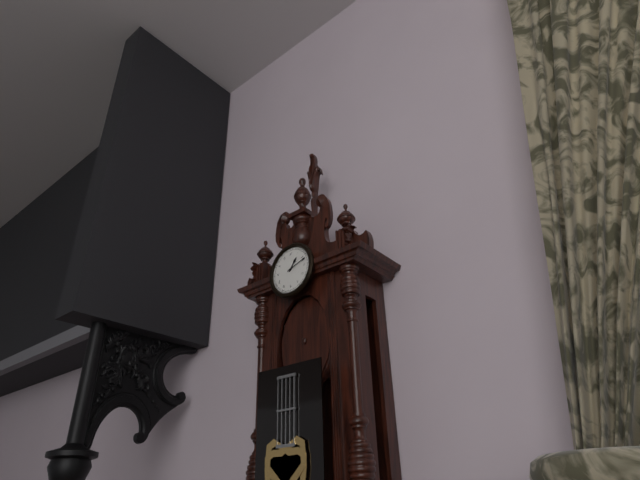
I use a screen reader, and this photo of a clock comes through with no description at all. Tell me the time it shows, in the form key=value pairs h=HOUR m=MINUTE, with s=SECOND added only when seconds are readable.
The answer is h=1 m=12
